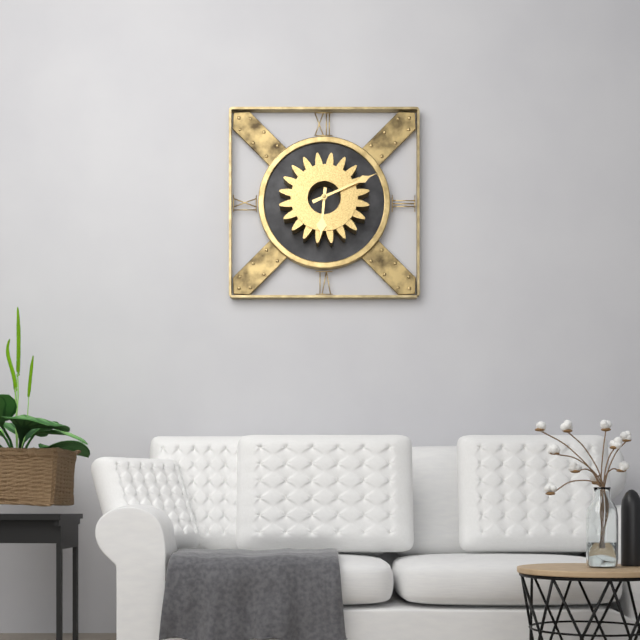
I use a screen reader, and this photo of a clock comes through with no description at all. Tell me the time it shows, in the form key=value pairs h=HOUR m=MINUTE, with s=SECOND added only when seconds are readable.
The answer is h=6 m=11
